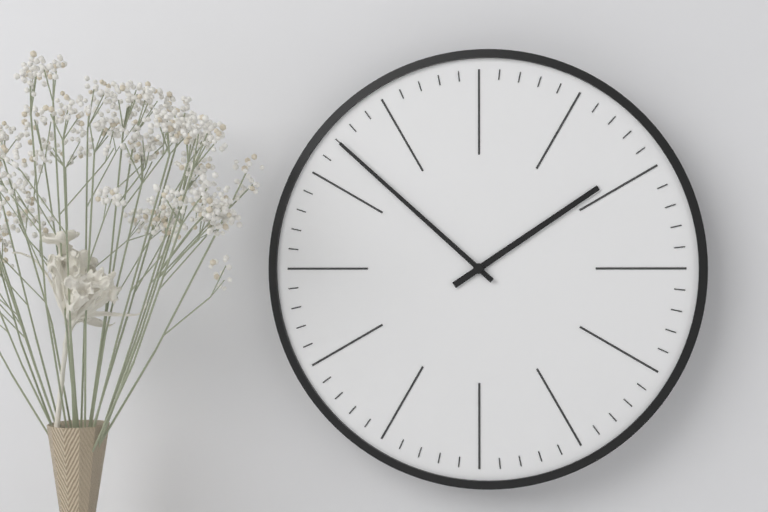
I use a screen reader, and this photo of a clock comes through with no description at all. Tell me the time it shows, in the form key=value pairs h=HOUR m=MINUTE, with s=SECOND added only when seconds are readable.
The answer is h=1 m=52
